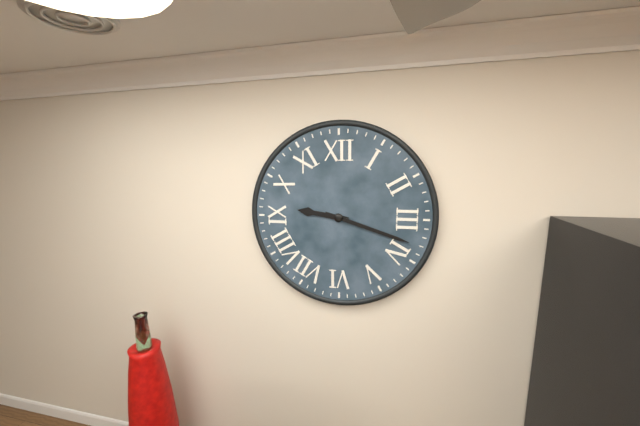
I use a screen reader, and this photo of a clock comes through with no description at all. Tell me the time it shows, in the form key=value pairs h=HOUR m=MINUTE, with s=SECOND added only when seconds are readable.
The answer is h=9 m=18
